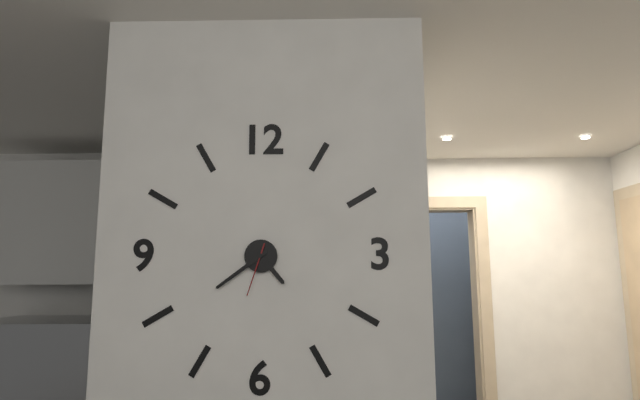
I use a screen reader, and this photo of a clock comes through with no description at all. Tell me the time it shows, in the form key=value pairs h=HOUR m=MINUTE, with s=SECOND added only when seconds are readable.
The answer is h=4 m=39 s=33
